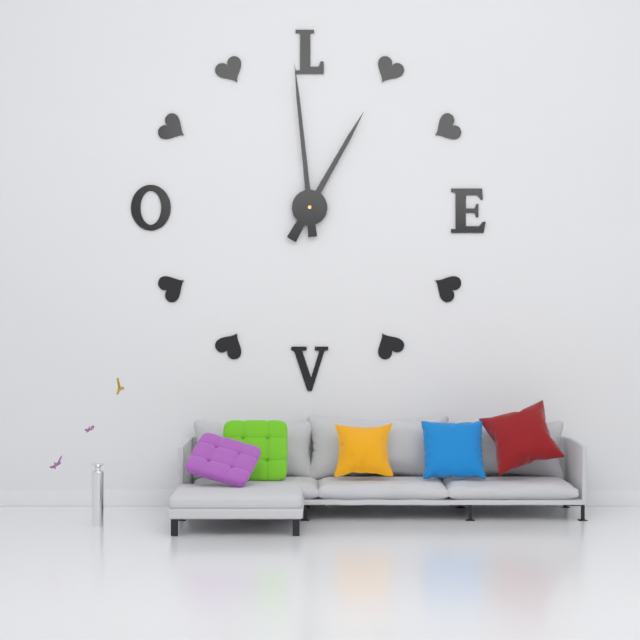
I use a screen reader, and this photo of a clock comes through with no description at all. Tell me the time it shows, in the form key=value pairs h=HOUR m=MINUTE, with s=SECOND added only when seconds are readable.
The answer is h=12 m=59
